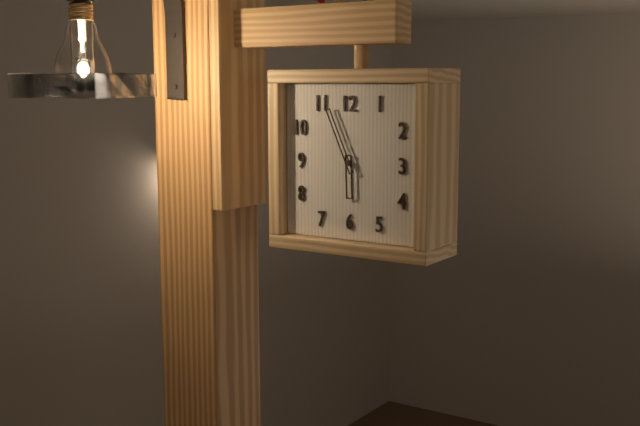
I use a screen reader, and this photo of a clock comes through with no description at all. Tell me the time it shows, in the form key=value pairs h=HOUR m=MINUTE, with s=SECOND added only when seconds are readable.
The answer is h=5 m=56
